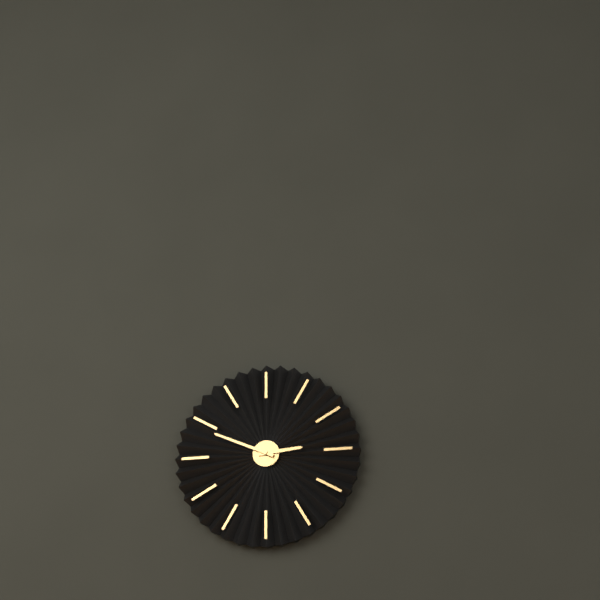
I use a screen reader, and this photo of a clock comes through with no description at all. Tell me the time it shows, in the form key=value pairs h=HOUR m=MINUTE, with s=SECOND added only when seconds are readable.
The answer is h=2 m=49
